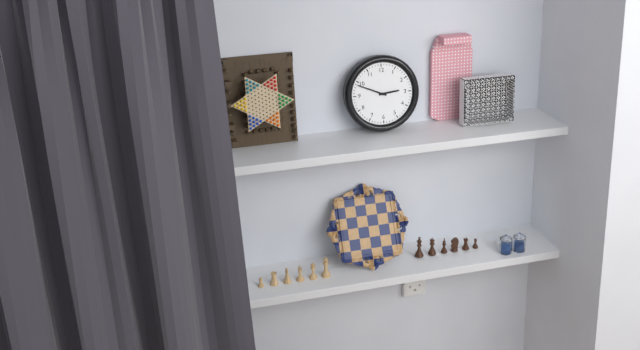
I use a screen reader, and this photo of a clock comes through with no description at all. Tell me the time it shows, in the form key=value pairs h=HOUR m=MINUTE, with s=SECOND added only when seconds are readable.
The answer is h=2 m=49
